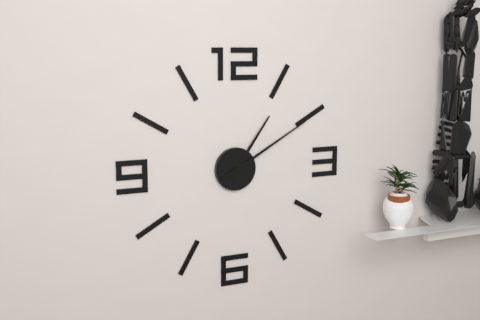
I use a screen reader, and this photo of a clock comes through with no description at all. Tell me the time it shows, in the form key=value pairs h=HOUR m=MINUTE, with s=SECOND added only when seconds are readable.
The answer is h=1 m=10
